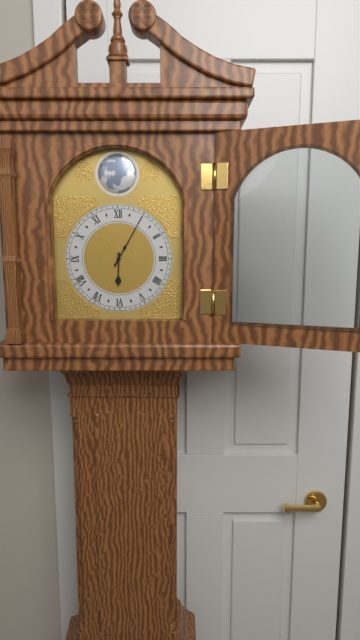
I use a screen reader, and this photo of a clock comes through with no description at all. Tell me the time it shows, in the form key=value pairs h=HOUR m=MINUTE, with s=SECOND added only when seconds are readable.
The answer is h=6 m=5
